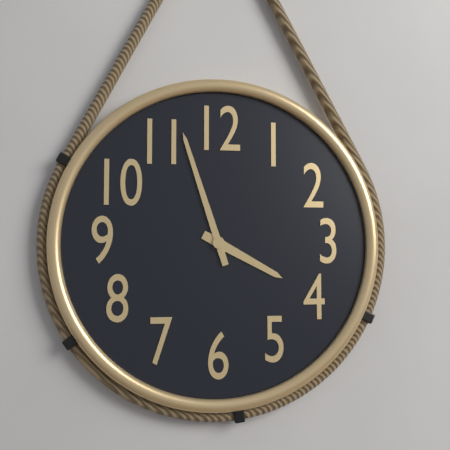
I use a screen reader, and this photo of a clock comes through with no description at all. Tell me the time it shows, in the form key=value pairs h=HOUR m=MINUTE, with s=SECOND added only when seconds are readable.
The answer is h=3 m=57
